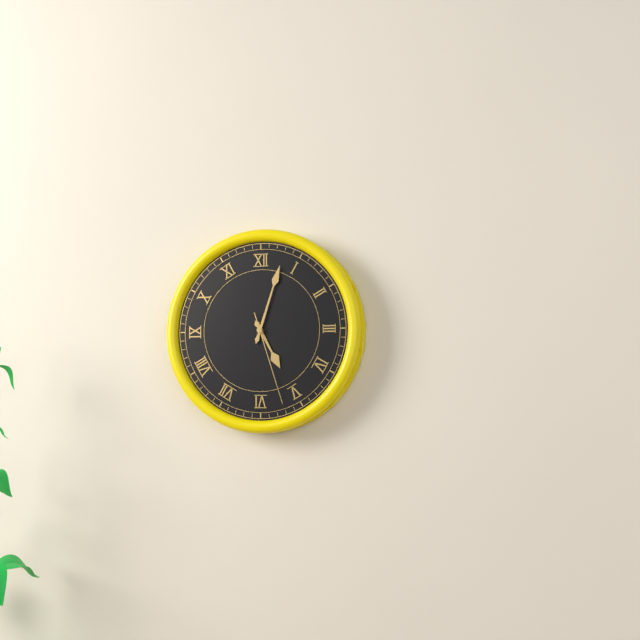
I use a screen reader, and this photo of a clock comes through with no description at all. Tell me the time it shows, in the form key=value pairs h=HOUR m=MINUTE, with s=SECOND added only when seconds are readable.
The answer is h=5 m=3 s=27
